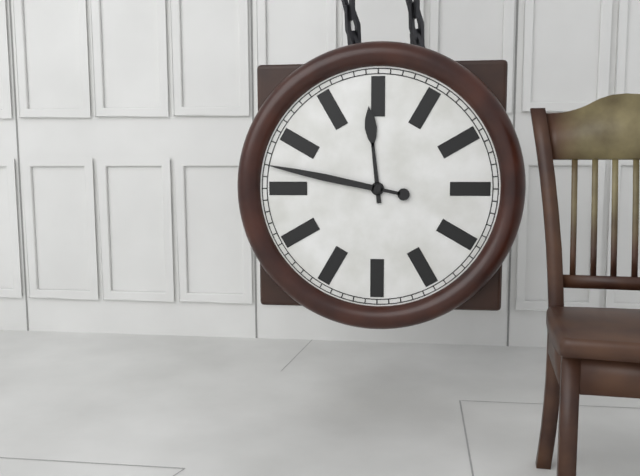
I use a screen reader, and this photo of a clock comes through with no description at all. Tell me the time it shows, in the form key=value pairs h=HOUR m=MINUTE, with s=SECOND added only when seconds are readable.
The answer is h=11 m=47
